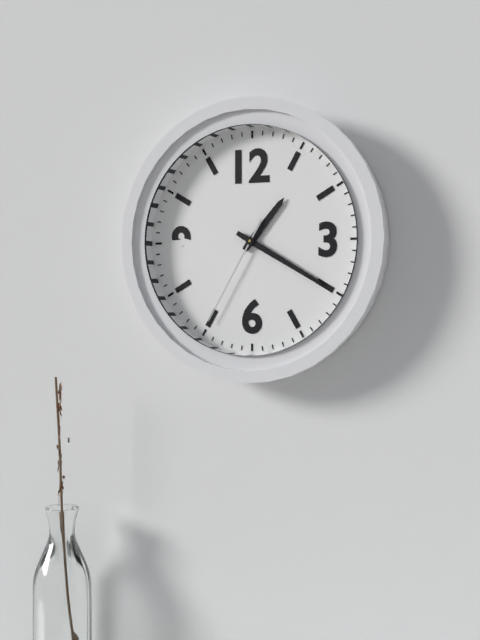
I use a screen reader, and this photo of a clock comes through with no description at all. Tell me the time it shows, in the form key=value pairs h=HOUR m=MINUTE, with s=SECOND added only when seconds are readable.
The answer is h=1 m=20 s=35
